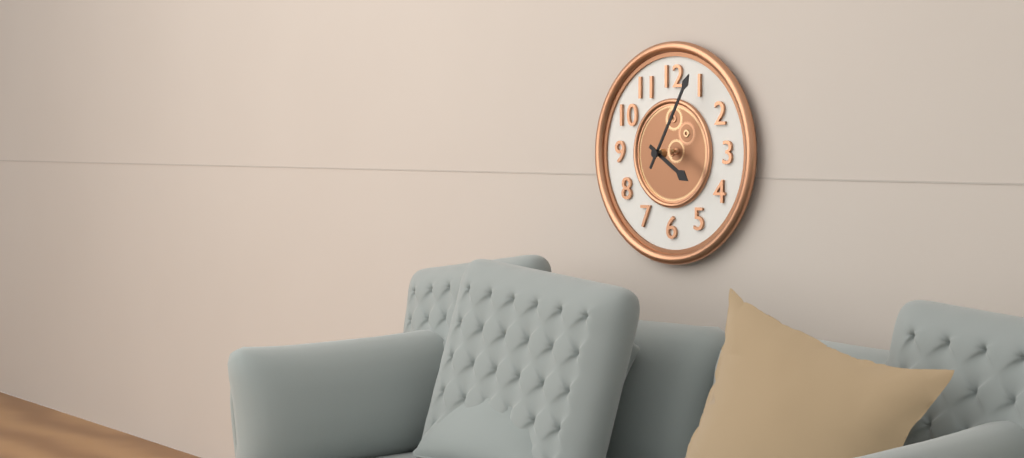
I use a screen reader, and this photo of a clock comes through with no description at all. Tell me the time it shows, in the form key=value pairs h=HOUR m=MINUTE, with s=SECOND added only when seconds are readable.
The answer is h=4 m=5
